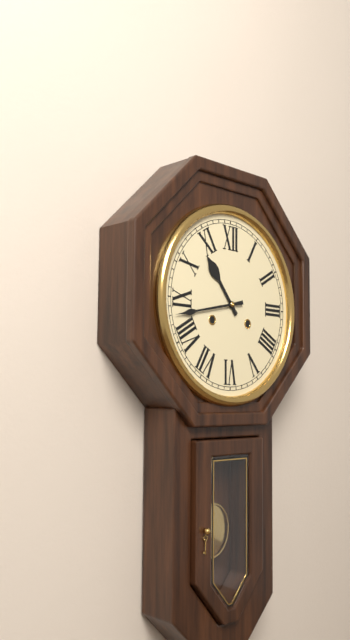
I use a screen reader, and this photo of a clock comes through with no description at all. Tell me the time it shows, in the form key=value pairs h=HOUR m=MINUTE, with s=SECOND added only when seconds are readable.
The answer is h=10 m=43
